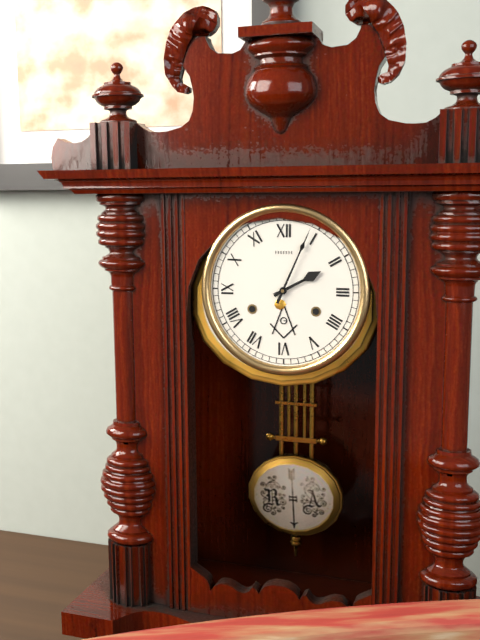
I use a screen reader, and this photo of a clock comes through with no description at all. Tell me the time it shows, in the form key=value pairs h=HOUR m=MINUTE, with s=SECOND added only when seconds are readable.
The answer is h=2 m=4
